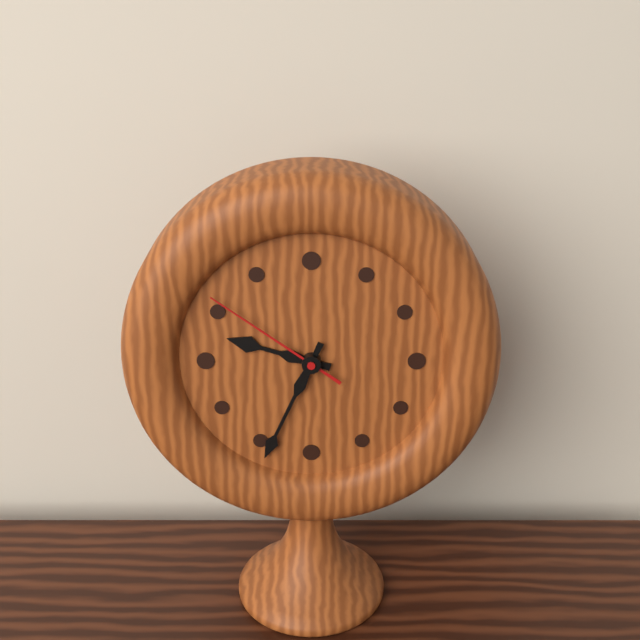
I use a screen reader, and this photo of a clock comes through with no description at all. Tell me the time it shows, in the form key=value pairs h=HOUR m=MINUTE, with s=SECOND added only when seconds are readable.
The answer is h=9 m=34 s=51
